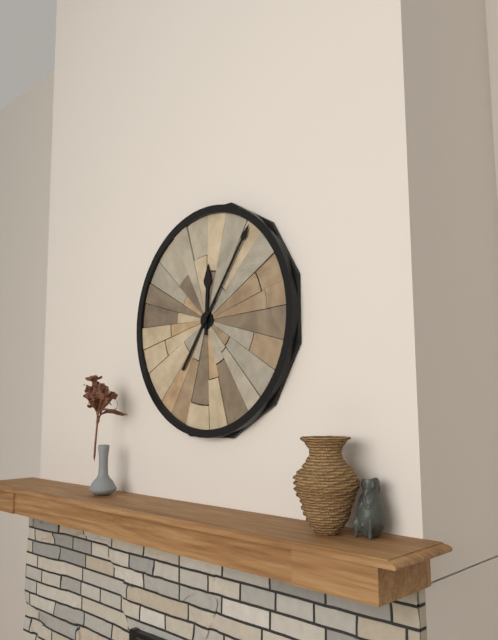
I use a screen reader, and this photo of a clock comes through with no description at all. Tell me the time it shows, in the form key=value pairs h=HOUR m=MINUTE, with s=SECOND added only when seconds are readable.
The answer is h=12 m=6
